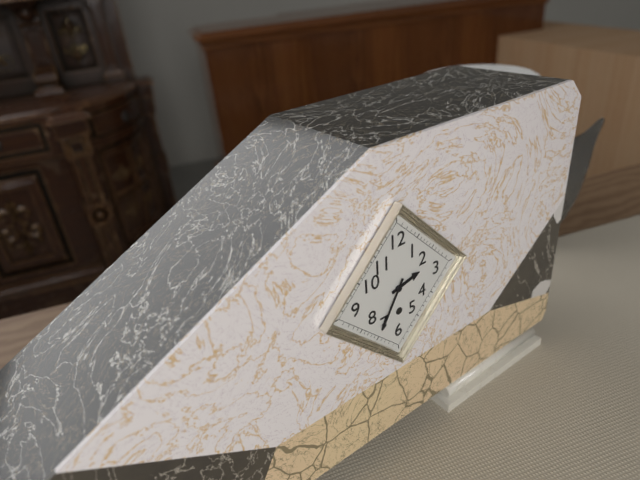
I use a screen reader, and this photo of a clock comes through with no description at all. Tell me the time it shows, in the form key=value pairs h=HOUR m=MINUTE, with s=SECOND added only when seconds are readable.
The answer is h=2 m=35
